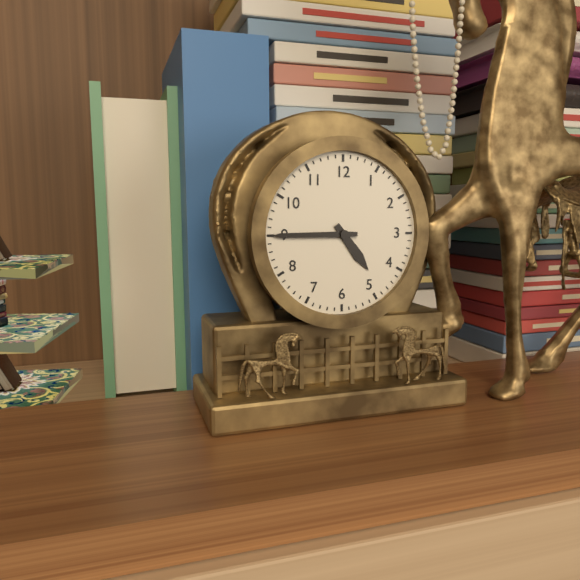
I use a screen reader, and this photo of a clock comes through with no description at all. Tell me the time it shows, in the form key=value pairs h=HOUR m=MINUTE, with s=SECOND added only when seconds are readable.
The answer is h=4 m=45
